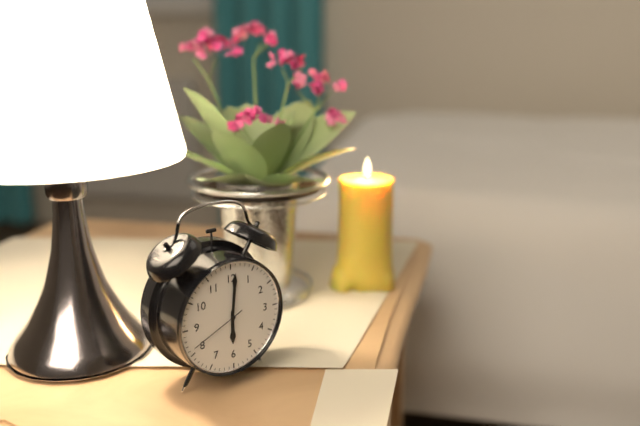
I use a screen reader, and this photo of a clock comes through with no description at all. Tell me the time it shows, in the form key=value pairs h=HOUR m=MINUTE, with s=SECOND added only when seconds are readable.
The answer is h=6 m=1 s=41
